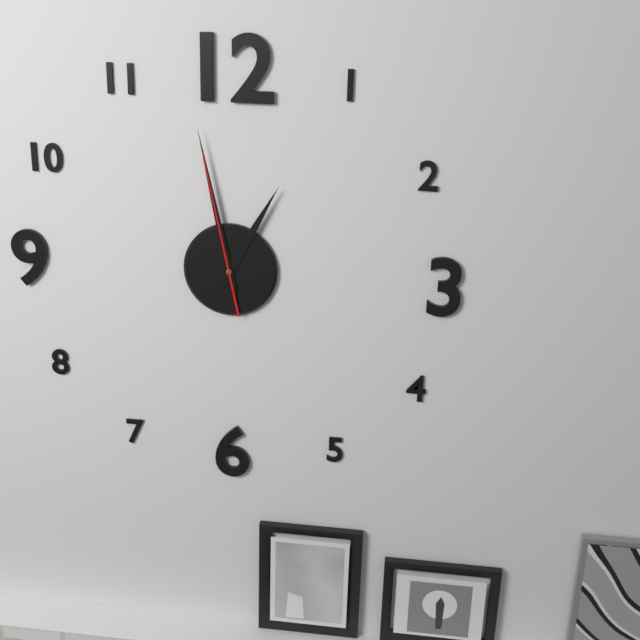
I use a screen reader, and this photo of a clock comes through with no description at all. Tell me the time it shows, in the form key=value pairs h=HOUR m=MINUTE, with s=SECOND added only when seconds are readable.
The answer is h=12 m=58 s=58
